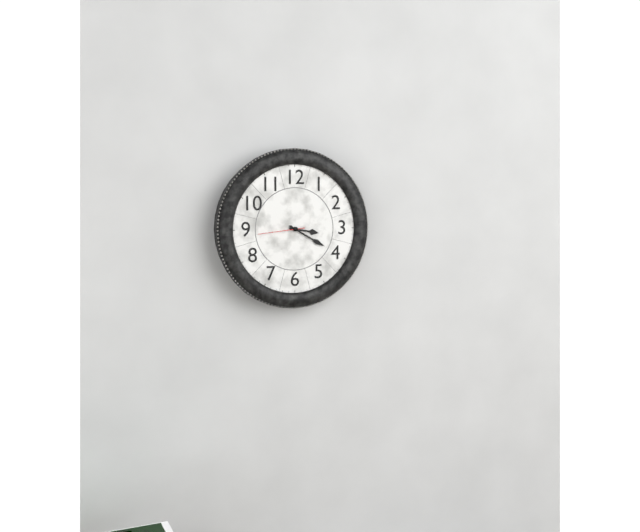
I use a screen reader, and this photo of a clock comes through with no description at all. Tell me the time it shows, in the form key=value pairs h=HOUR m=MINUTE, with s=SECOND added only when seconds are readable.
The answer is h=3 m=20
